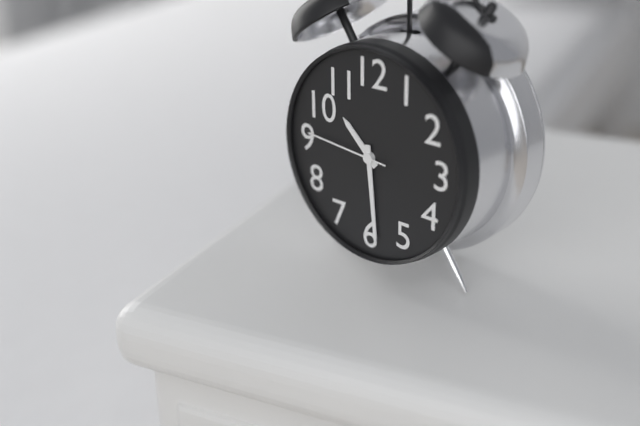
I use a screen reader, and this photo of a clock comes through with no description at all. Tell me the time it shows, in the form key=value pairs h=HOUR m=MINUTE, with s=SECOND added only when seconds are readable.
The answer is h=10 m=29 s=46
